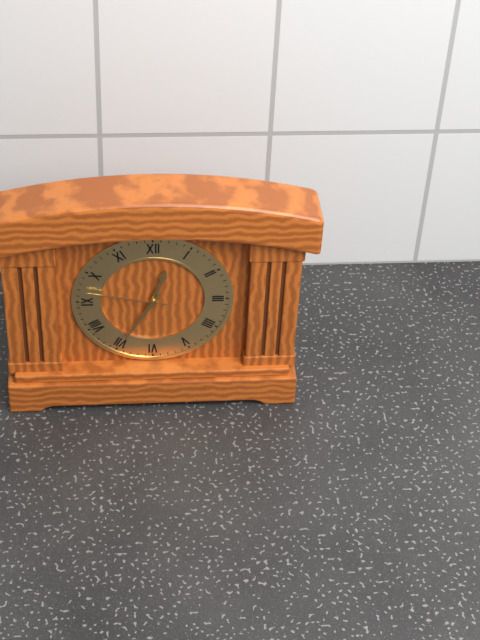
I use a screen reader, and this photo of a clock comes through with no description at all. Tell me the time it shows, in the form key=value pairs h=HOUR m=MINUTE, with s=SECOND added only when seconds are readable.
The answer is h=12 m=35 s=47
